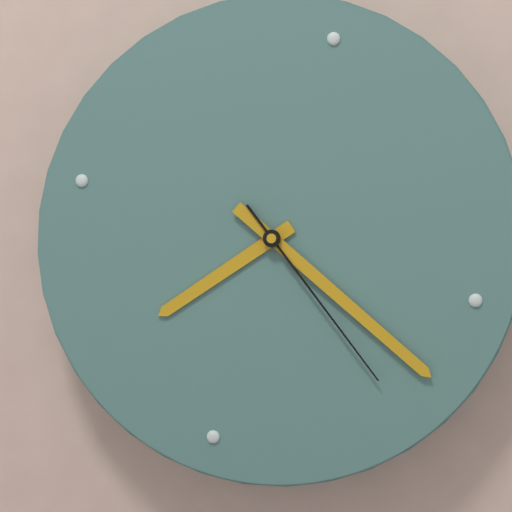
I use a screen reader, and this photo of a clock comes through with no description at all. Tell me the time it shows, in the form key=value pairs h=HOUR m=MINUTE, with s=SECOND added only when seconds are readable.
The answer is h=7 m=19 s=21
